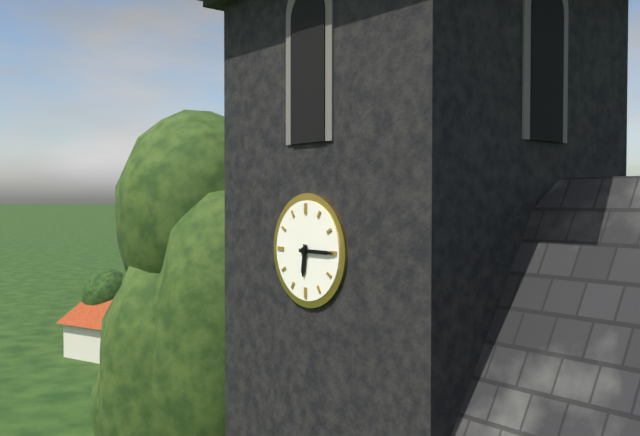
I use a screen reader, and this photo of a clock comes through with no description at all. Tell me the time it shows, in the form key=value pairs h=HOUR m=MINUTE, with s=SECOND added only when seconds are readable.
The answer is h=6 m=15
